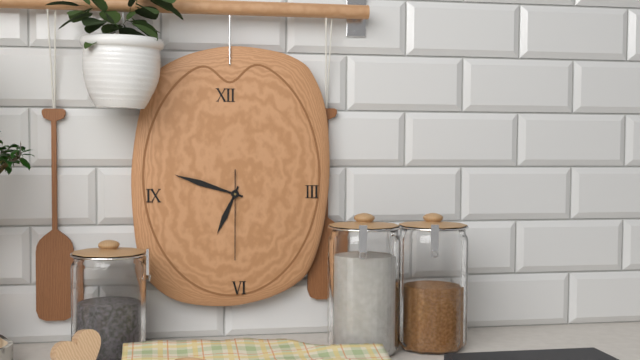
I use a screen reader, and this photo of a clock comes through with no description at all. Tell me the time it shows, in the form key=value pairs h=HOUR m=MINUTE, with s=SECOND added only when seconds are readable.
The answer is h=6 m=48 s=30
